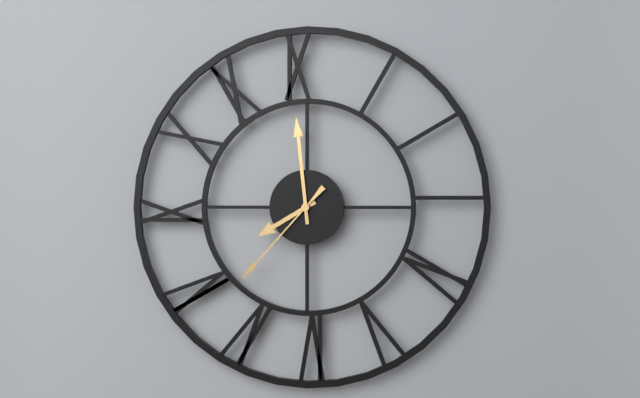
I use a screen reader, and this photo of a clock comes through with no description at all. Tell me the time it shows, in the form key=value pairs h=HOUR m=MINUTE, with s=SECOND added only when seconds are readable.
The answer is h=7 m=59 s=37
